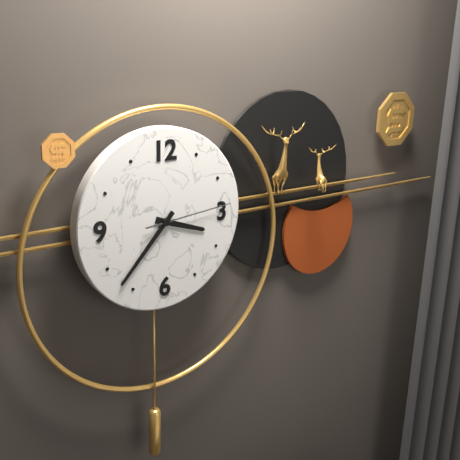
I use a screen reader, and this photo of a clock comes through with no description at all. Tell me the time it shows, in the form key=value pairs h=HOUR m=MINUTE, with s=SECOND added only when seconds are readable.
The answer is h=3 m=37 s=14
